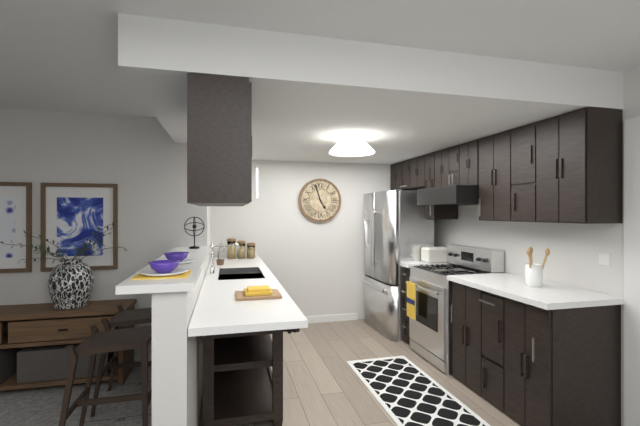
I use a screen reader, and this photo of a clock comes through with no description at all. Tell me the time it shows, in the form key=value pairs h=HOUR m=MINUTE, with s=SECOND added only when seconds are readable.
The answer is h=4 m=57
